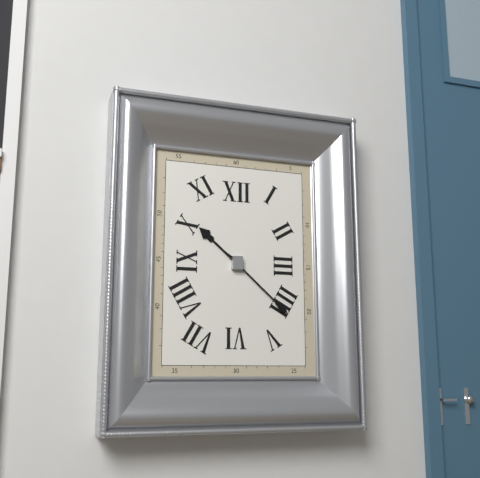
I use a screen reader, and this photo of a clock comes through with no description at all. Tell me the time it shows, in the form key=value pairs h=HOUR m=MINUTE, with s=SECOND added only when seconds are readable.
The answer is h=10 m=22
